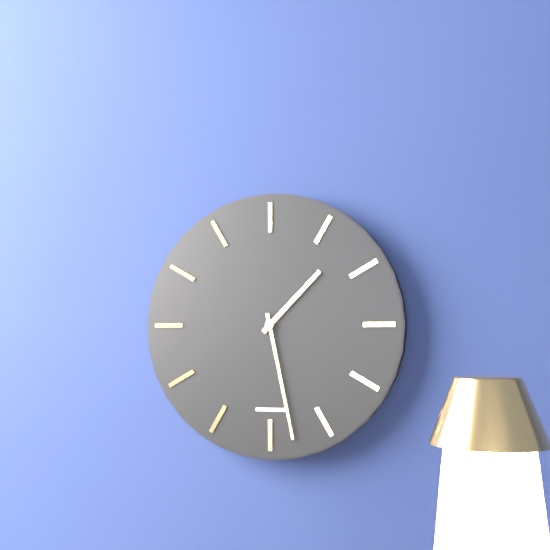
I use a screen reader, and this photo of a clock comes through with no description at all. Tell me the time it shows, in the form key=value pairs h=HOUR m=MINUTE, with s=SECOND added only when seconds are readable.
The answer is h=1 m=28
